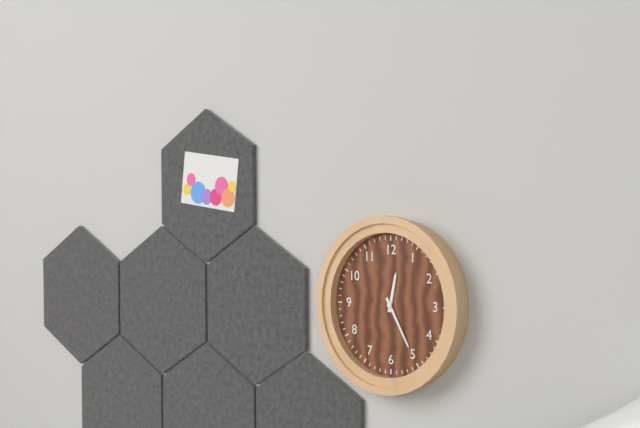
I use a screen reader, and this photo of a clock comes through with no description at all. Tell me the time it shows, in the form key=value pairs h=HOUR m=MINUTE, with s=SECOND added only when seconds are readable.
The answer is h=12 m=25
